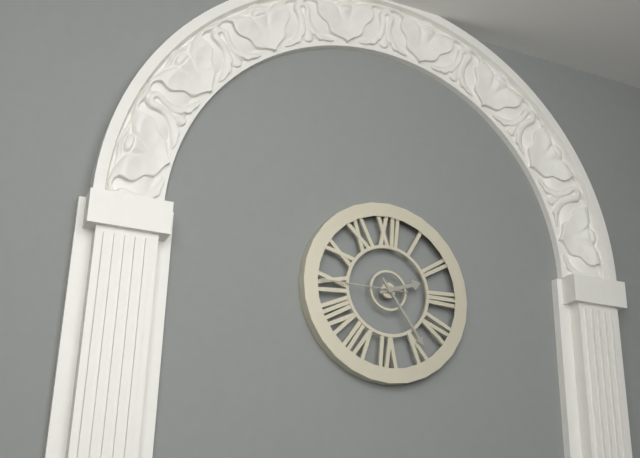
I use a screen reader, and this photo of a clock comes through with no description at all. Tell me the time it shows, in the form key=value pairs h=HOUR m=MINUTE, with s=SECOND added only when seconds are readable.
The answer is h=2 m=24 s=45
